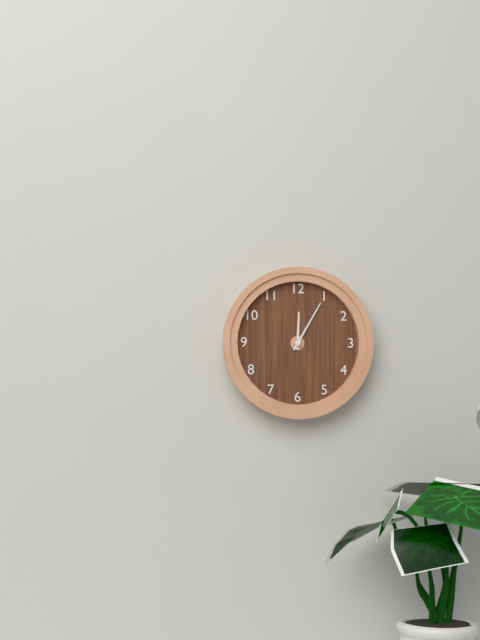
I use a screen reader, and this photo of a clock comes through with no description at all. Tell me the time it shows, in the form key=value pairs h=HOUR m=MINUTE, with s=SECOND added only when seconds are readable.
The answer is h=12 m=5
